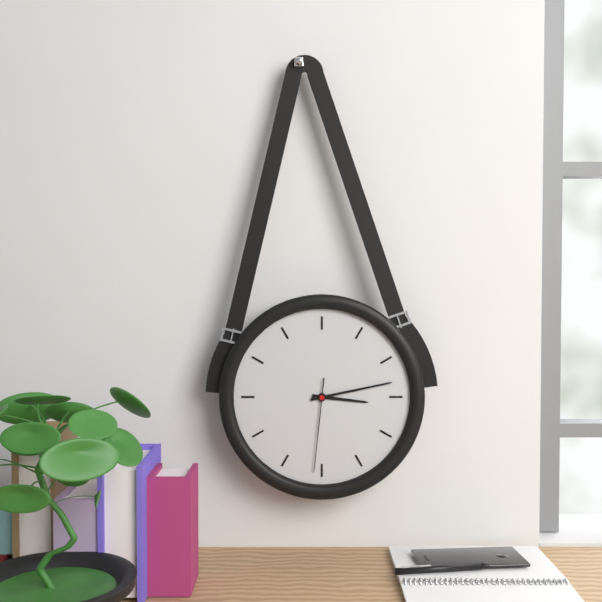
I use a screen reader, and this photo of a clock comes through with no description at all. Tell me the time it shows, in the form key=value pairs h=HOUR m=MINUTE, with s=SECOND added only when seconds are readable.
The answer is h=3 m=13 s=31
